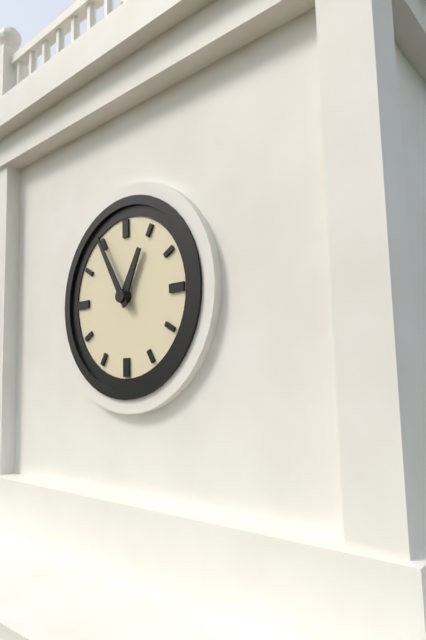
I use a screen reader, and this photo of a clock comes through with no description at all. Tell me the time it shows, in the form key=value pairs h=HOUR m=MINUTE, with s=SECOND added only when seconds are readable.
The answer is h=12 m=55
